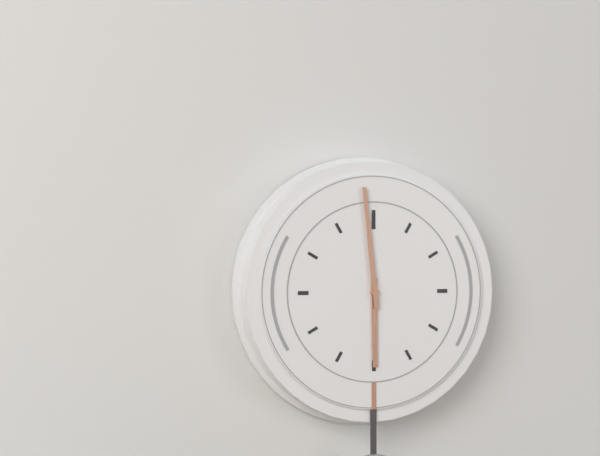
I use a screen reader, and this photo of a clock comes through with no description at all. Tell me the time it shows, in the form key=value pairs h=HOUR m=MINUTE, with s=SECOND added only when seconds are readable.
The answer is h=5 m=59
